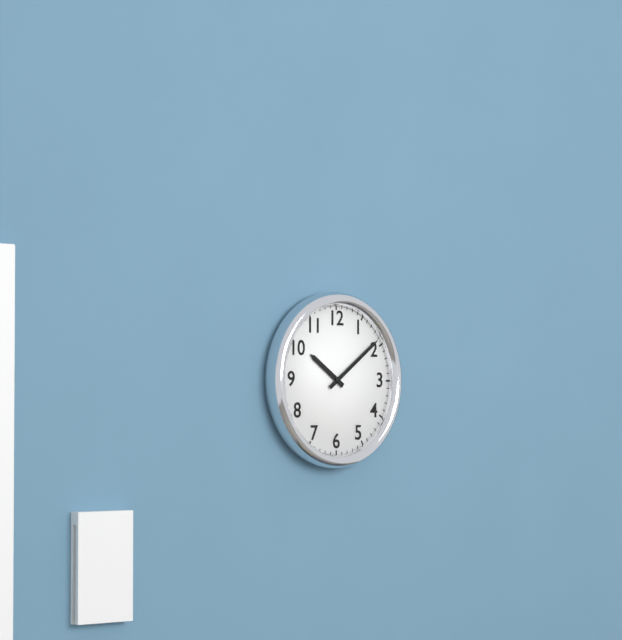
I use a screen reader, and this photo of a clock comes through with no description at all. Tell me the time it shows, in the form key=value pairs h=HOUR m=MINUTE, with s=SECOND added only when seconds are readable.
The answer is h=10 m=9
